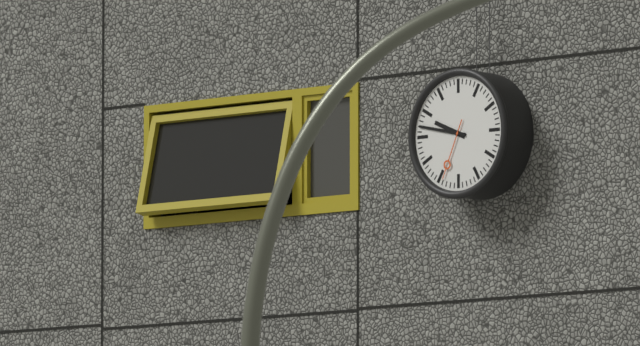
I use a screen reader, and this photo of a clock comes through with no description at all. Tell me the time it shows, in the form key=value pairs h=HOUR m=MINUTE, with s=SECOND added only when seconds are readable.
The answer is h=9 m=47 s=34
